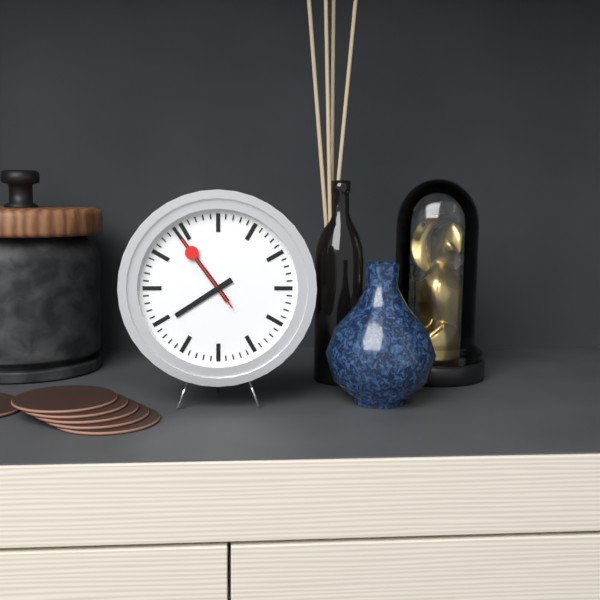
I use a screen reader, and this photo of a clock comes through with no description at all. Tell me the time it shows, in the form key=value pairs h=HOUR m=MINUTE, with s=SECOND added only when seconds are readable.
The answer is h=7 m=54 s=54
